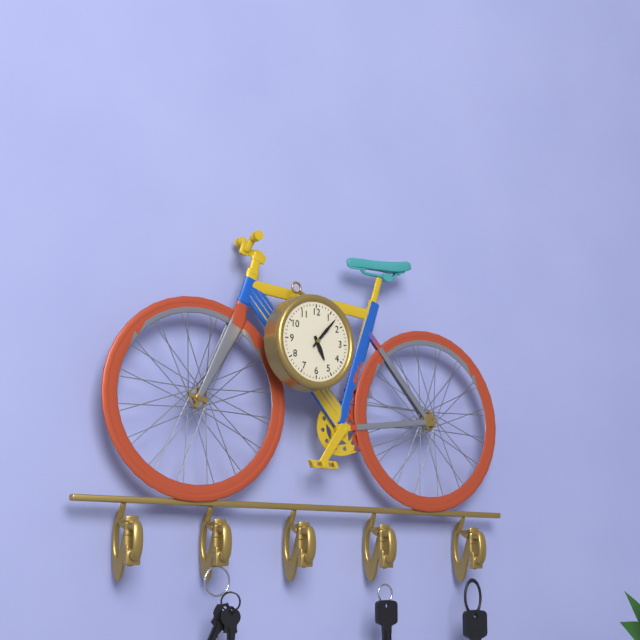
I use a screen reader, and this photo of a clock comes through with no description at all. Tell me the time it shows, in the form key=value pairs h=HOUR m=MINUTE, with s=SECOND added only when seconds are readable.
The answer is h=5 m=7
